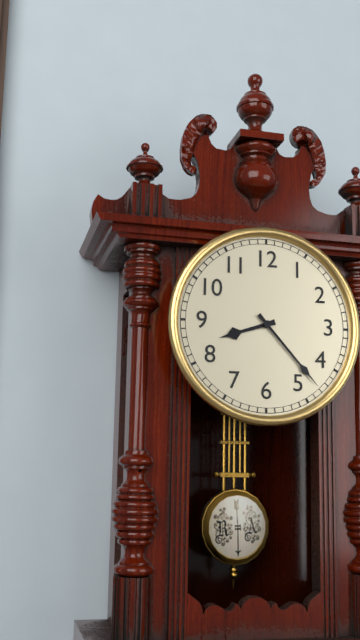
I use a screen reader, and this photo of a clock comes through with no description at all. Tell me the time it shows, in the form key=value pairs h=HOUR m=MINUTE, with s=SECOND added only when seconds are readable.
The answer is h=8 m=23
